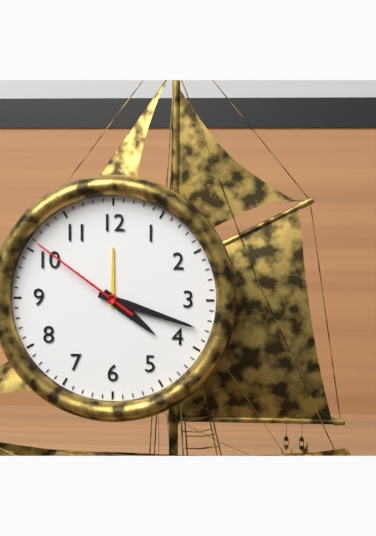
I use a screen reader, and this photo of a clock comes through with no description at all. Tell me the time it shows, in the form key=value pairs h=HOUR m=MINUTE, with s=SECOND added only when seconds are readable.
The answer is h=4 m=18 s=51
